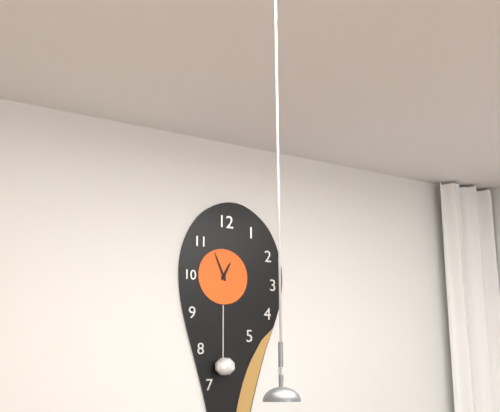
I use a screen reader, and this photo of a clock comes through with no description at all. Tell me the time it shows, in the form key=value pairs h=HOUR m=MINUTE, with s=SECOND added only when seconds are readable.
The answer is h=12 m=56
